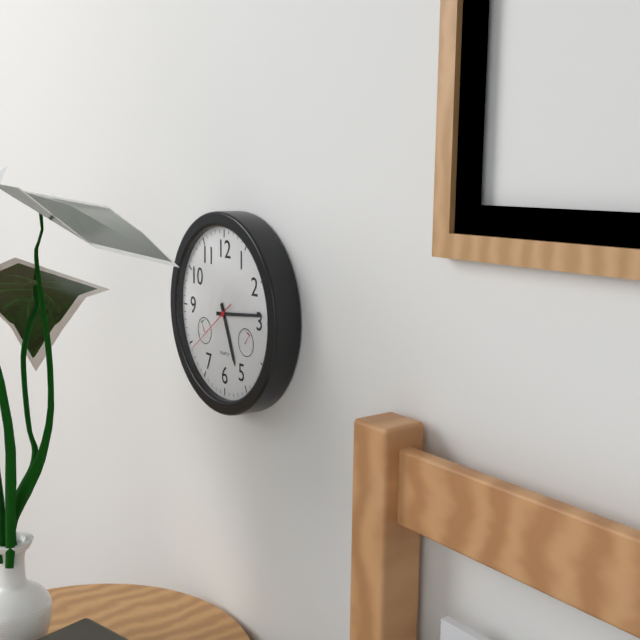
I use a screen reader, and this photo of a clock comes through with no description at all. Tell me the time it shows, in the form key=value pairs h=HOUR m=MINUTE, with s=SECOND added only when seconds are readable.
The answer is h=5 m=14 s=39
